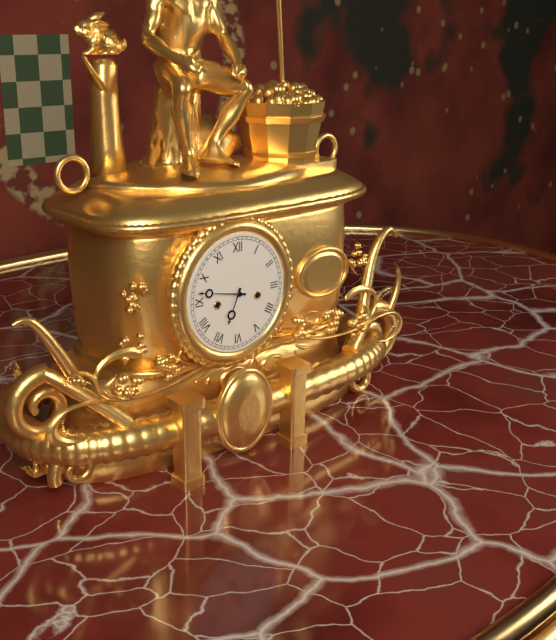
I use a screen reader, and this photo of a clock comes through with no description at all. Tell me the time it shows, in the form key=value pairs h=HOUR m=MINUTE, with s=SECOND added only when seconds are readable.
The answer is h=6 m=47
